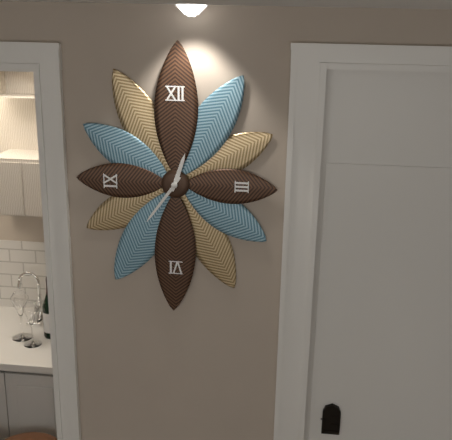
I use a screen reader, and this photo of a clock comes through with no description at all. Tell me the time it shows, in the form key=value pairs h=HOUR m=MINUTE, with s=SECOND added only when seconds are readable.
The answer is h=12 m=36
